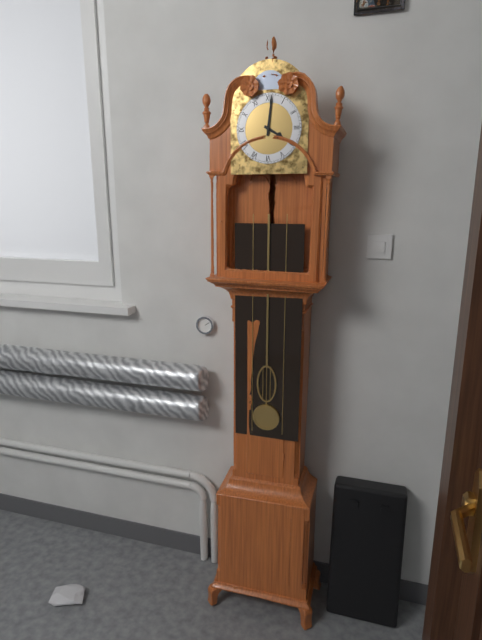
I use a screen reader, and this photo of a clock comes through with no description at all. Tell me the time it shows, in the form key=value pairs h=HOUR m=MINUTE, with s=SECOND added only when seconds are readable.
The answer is h=4 m=1
